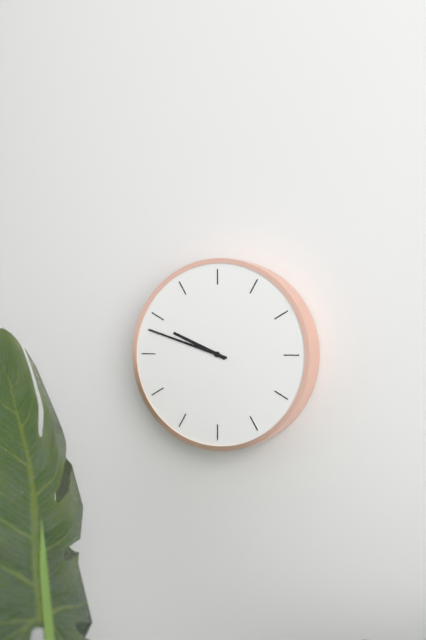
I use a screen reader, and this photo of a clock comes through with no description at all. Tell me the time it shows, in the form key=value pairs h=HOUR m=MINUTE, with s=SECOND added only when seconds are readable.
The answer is h=9 m=48
